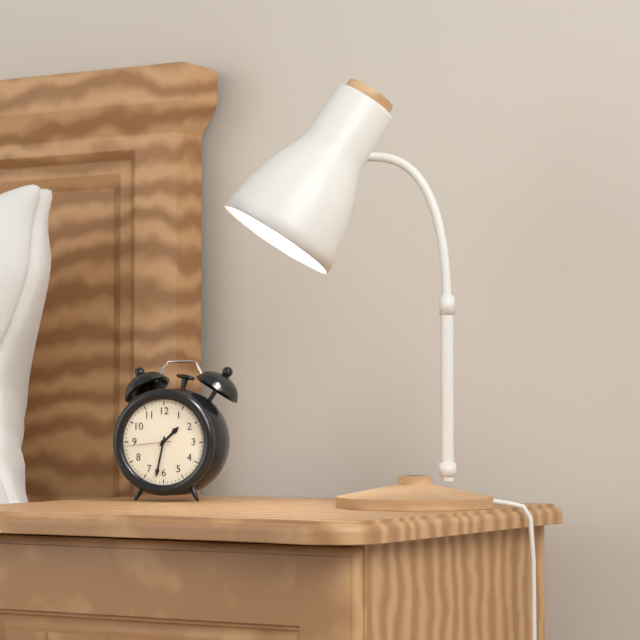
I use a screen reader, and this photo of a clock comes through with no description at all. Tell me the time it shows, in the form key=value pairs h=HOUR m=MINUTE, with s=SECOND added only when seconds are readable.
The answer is h=1 m=32
